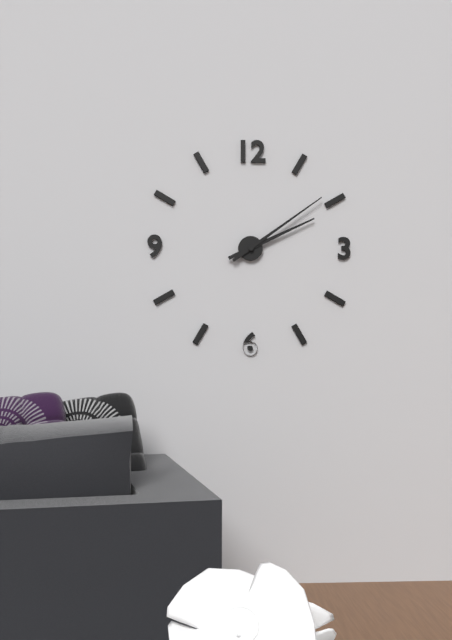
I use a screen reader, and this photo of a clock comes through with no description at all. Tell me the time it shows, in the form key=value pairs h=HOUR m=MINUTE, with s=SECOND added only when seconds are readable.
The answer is h=2 m=9
